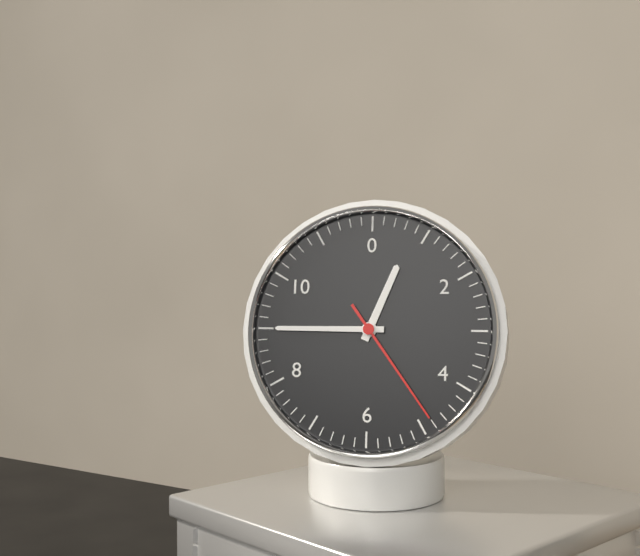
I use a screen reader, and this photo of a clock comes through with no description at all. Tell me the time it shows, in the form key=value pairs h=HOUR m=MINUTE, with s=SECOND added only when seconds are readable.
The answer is h=12 m=45 s=24
